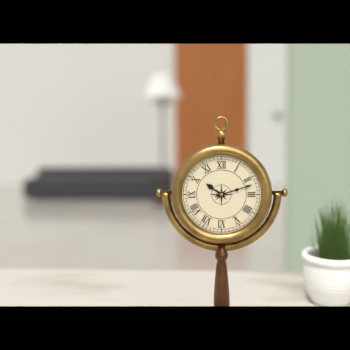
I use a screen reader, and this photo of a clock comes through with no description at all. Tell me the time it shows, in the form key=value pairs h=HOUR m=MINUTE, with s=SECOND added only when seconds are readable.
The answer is h=10 m=12
